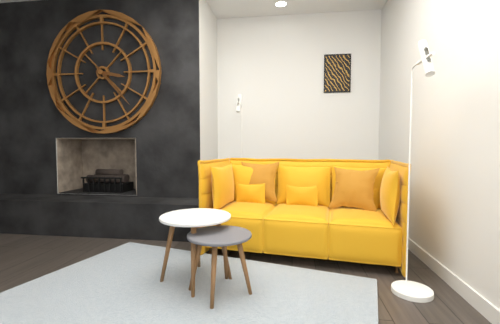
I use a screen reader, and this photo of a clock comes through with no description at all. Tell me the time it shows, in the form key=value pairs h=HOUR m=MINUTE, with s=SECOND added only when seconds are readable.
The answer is h=3 m=23
